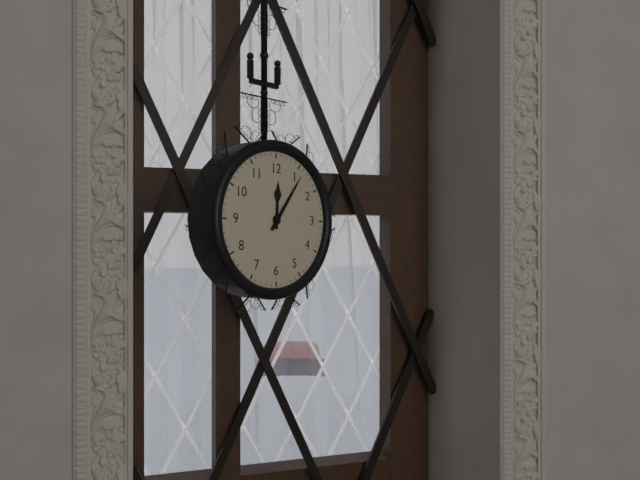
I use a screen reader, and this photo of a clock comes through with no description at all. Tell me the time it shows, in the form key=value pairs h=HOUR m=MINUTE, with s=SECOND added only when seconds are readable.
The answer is h=12 m=6
